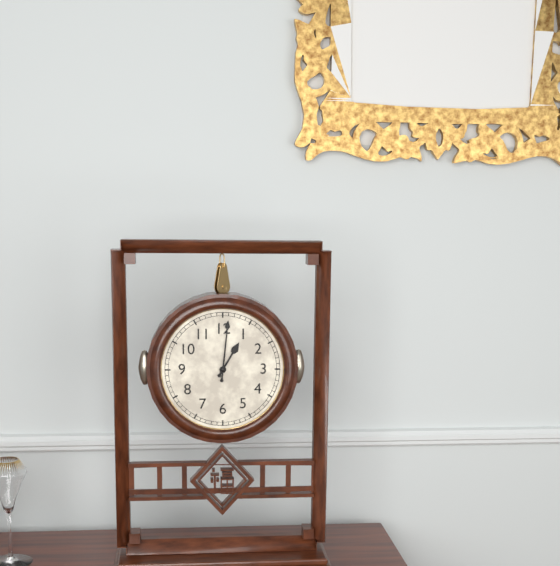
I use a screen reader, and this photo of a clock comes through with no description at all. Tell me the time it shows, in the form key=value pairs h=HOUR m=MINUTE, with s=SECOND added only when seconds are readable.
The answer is h=1 m=1
